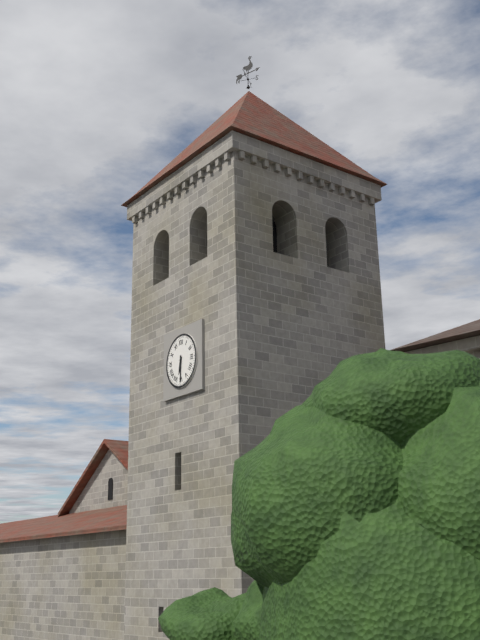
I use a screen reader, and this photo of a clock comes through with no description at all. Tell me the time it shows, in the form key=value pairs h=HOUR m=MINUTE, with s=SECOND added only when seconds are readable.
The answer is h=6 m=30
